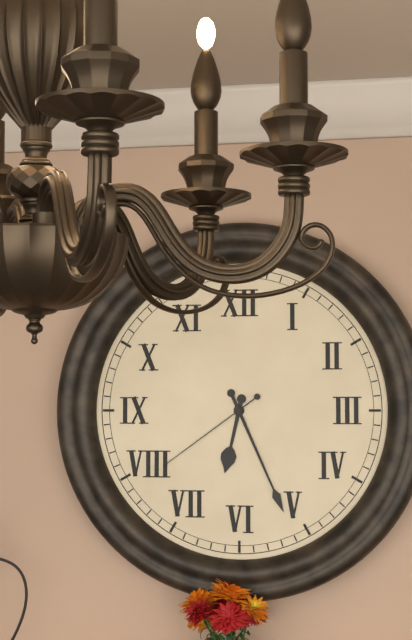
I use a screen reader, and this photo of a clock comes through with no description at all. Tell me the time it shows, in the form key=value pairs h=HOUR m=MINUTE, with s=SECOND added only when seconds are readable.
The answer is h=6 m=26 s=39
